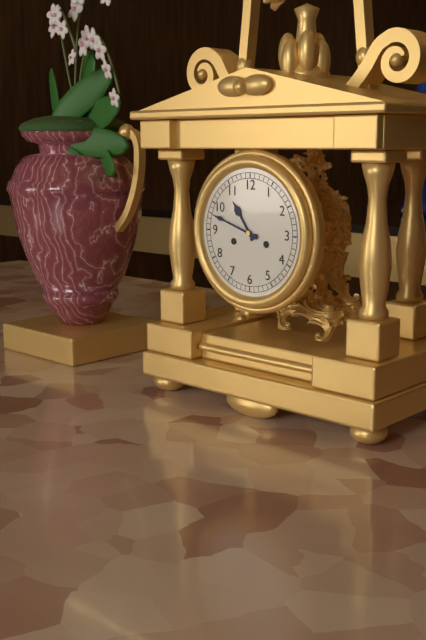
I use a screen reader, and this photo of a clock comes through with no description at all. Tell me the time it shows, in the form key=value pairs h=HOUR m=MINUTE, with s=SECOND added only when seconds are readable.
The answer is h=10 m=48
